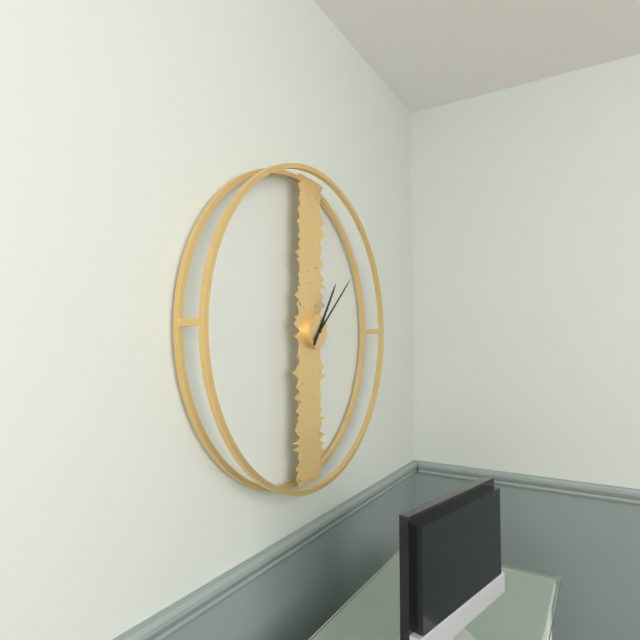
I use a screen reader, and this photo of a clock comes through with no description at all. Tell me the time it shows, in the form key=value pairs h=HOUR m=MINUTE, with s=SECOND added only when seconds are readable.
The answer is h=1 m=8
